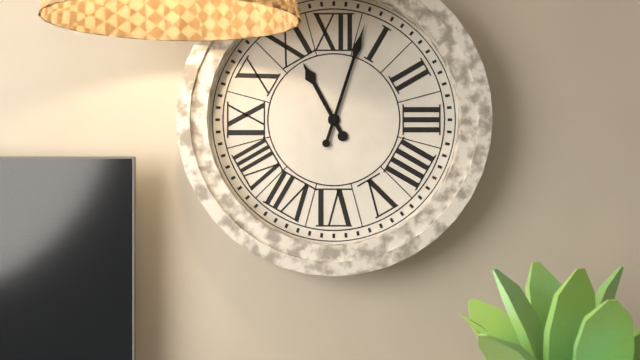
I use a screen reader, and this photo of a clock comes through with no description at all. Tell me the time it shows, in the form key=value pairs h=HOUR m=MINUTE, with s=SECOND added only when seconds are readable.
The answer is h=11 m=3
